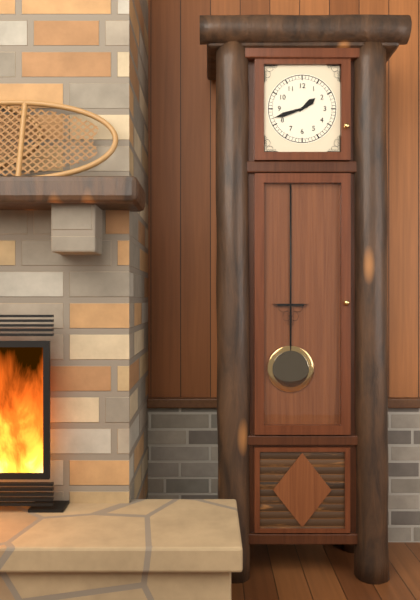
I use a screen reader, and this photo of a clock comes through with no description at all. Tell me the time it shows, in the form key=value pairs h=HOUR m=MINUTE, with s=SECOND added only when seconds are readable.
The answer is h=1 m=42
